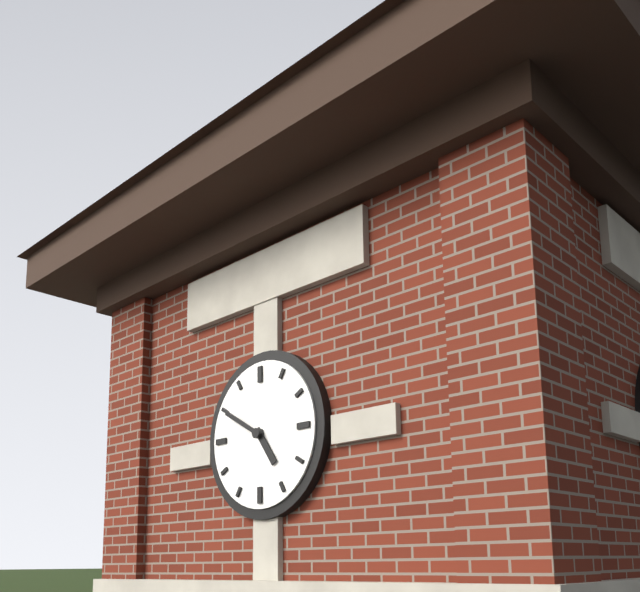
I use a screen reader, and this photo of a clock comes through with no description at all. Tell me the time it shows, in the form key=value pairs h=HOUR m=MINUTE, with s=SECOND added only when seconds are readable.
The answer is h=4 m=50
